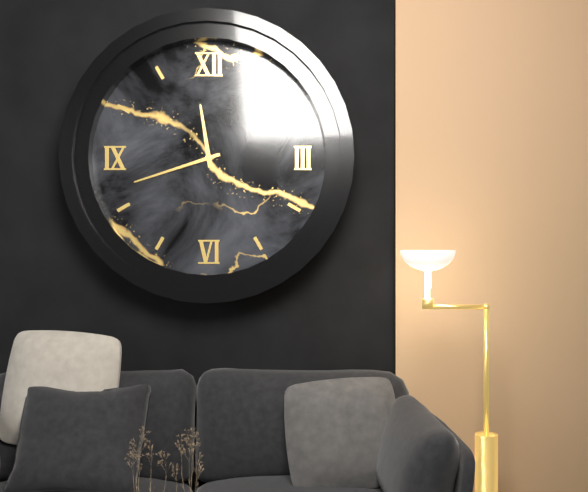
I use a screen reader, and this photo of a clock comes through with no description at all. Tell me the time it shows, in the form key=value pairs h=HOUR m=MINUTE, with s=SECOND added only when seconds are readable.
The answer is h=11 m=42
